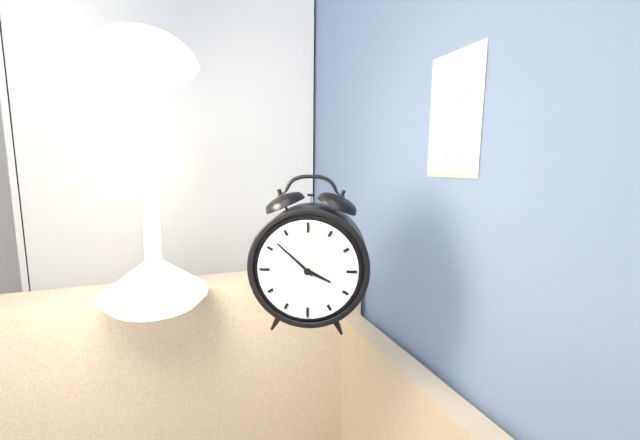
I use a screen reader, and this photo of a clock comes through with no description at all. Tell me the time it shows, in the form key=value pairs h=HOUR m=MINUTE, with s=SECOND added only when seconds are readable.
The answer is h=3 m=52
